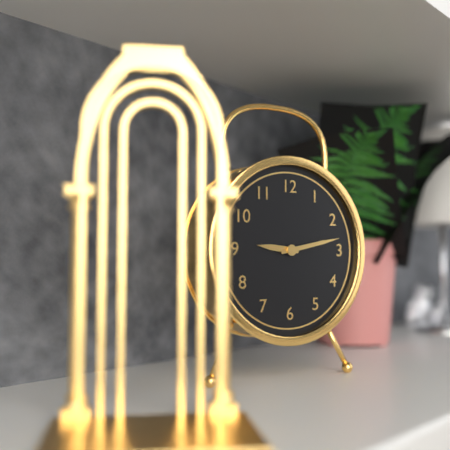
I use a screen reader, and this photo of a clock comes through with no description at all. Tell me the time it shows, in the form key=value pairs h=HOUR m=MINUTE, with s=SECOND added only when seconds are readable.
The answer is h=9 m=13
